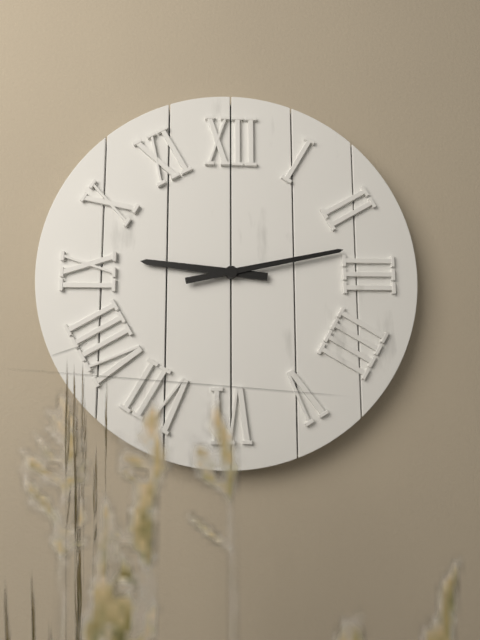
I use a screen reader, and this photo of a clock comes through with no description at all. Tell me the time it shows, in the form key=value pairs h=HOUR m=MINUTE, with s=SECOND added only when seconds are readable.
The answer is h=9 m=13
